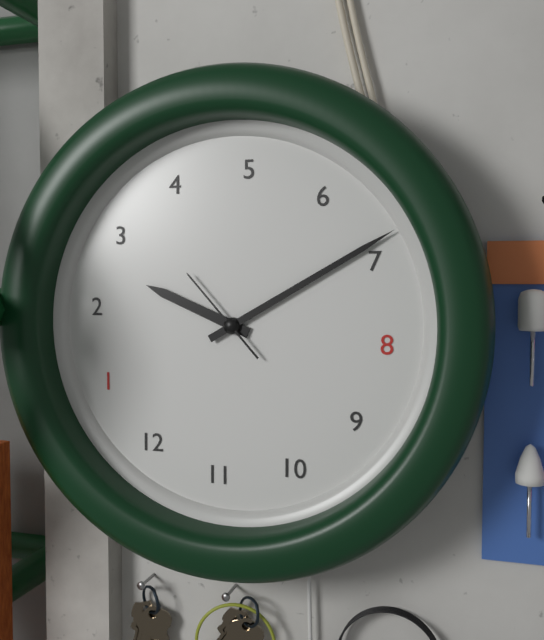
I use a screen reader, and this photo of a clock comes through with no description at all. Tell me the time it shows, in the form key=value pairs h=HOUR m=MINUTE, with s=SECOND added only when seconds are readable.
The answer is h=2 m=34 s=17
